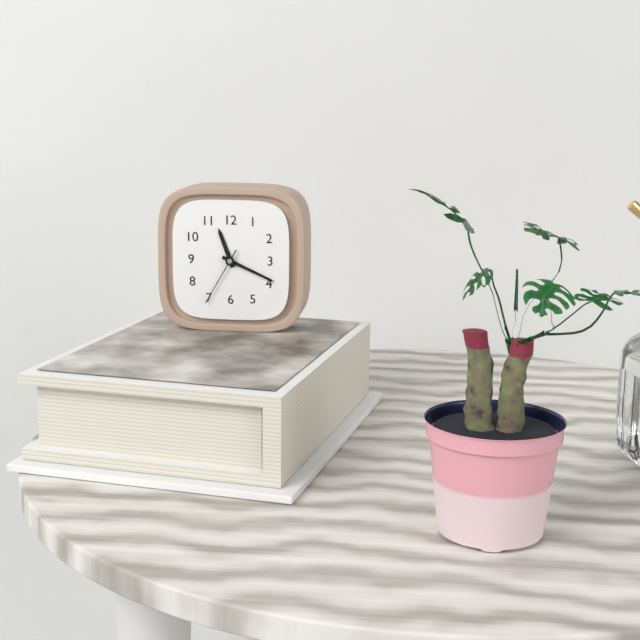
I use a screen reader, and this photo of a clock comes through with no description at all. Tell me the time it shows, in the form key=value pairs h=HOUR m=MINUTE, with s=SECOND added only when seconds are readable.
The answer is h=11 m=19 s=35
